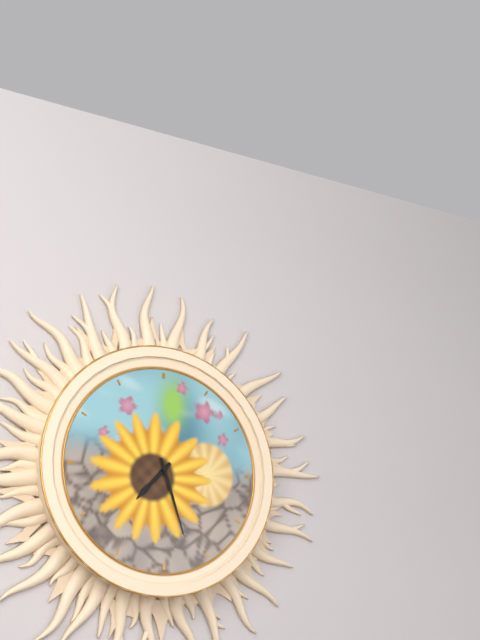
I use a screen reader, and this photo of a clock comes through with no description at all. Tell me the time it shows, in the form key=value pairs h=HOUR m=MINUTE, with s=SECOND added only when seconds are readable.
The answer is h=7 m=27
